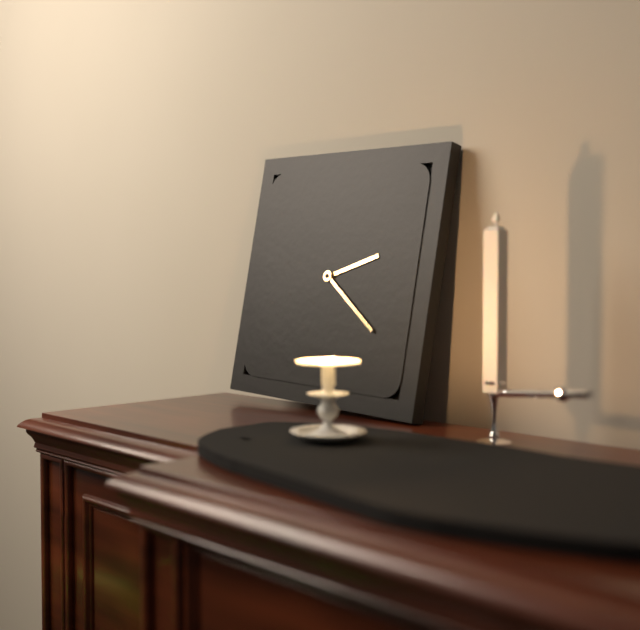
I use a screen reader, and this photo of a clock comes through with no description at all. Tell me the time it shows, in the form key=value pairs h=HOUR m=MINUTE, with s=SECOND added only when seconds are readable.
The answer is h=2 m=21
